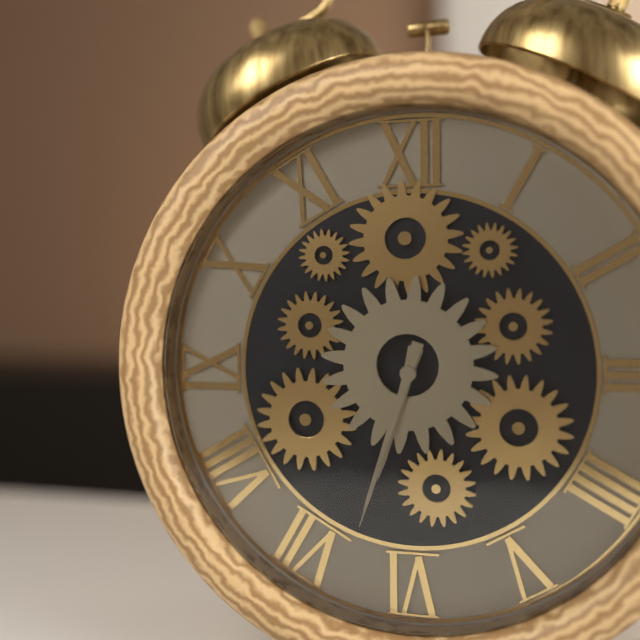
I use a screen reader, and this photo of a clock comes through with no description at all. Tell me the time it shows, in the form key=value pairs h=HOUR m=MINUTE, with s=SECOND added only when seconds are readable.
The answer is h=6 m=33
